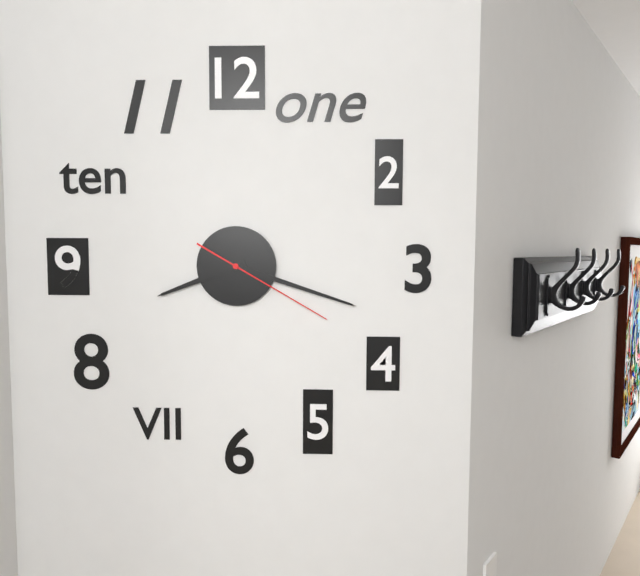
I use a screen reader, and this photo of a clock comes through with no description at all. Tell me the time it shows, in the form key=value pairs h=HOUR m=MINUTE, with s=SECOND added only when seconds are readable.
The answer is h=8 m=18 s=20
